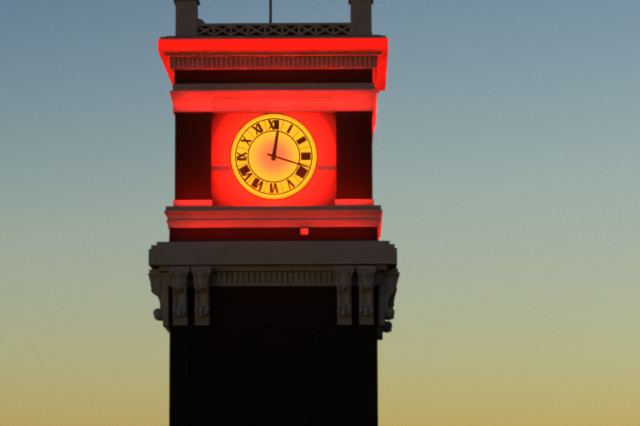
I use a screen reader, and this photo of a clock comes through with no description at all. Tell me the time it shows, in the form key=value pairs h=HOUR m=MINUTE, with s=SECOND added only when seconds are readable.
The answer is h=12 m=18
